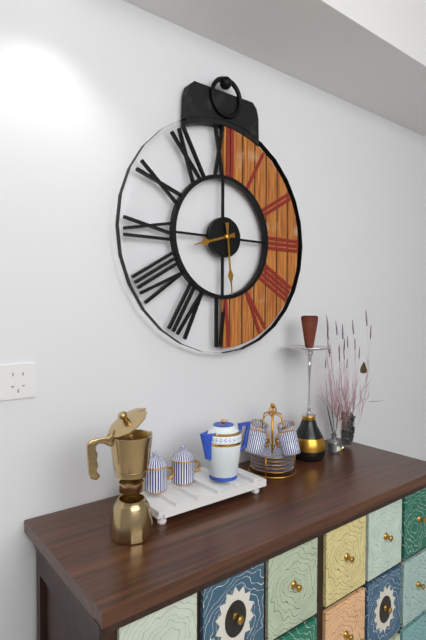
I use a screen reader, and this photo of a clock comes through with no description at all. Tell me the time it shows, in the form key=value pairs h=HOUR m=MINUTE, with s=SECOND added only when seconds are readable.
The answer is h=8 m=29
